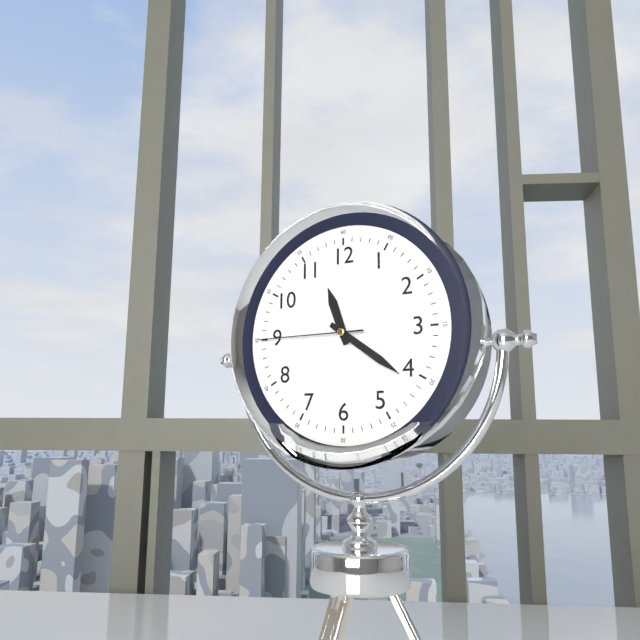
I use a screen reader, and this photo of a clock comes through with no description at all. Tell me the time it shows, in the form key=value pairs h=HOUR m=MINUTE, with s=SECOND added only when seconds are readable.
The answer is h=11 m=21 s=45
